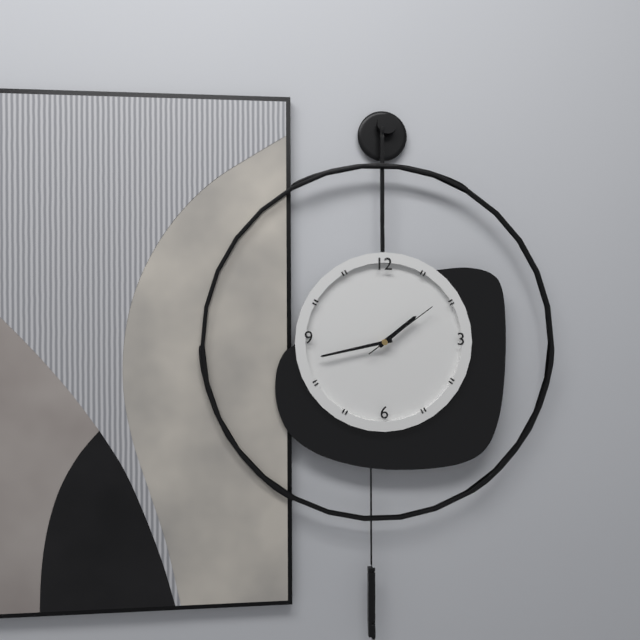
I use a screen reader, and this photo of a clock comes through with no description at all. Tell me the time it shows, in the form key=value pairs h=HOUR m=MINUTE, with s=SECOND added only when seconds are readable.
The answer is h=1 m=43 s=9
